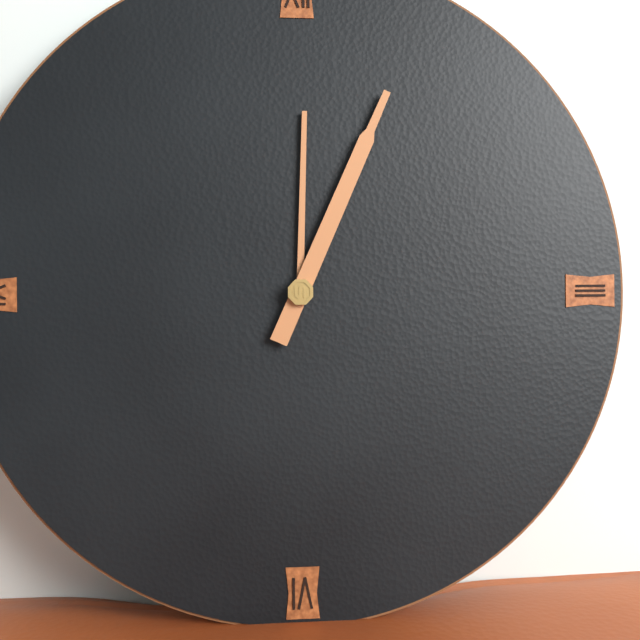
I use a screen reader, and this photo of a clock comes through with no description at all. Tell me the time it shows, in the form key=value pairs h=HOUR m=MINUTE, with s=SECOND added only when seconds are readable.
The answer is h=12 m=4
